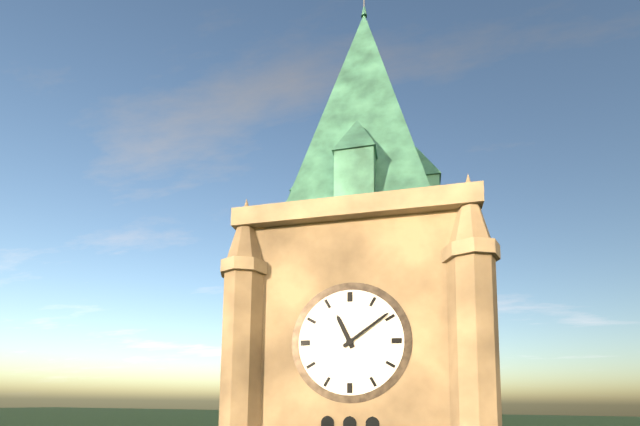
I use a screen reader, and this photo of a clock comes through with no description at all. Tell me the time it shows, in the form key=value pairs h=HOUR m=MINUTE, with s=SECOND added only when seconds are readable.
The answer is h=11 m=9
